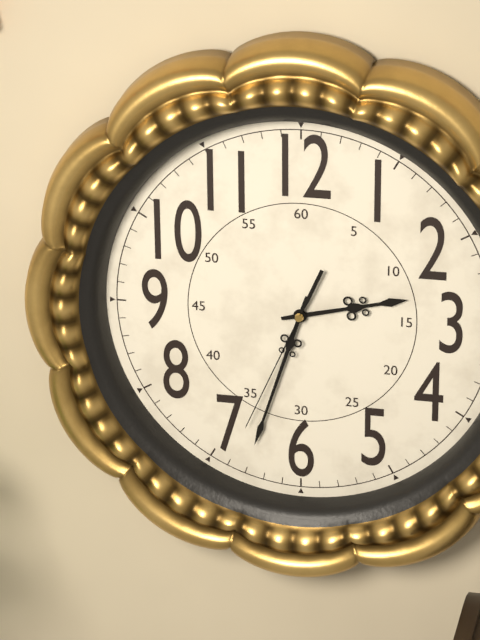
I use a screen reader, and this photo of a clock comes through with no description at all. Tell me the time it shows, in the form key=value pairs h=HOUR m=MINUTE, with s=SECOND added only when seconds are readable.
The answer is h=2 m=33 s=34
